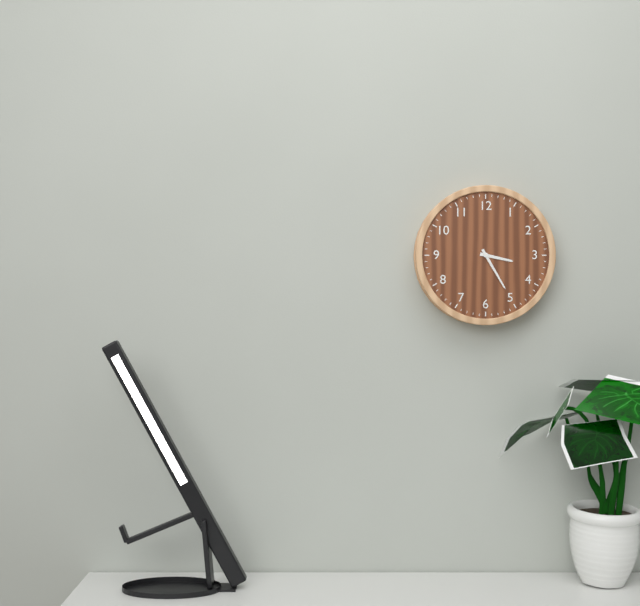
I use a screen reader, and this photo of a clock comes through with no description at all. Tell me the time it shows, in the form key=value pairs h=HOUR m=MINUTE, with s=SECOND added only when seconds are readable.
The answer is h=3 m=25
